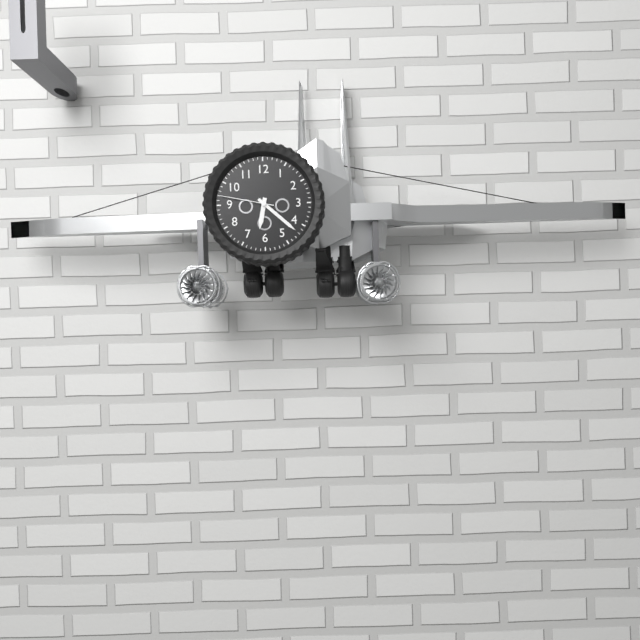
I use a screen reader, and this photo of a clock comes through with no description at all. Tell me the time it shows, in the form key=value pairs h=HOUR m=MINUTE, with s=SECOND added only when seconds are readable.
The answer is h=6 m=22 s=47
